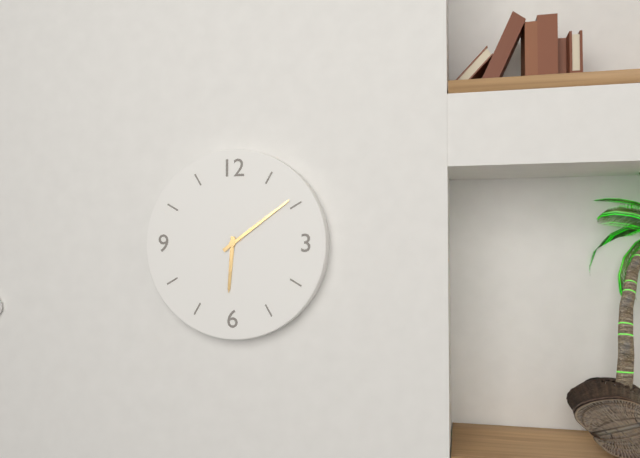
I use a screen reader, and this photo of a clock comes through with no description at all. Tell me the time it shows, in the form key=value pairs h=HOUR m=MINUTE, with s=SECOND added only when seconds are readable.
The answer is h=6 m=9
